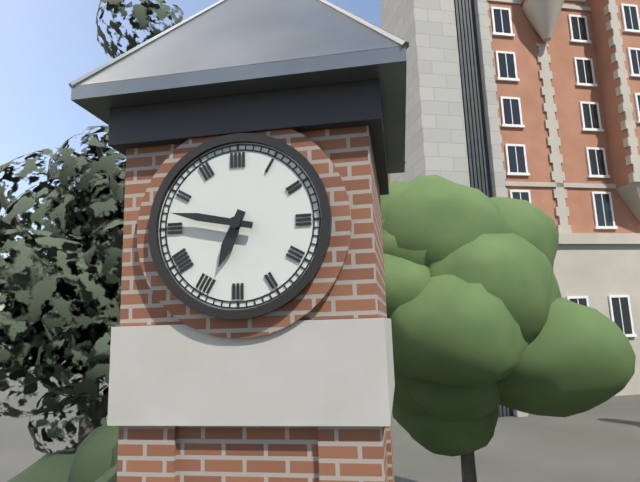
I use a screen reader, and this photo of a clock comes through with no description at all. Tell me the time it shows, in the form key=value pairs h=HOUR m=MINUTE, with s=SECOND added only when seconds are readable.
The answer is h=6 m=47
